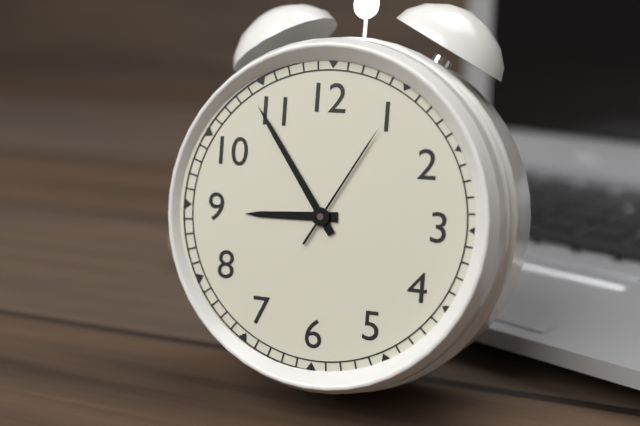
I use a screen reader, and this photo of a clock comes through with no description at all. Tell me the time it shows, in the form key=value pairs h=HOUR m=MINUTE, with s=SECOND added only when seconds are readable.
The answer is h=8 m=54 s=5
